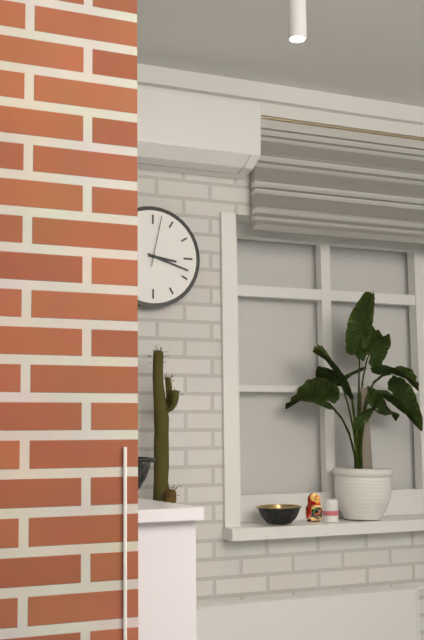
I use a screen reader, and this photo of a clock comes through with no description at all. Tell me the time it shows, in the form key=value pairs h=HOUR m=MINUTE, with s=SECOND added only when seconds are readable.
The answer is h=3 m=18 s=2
